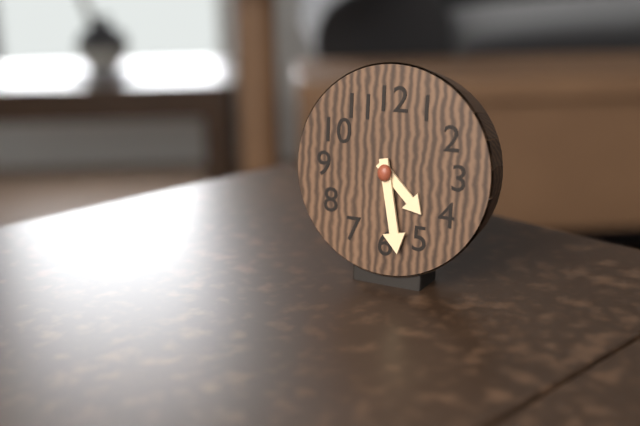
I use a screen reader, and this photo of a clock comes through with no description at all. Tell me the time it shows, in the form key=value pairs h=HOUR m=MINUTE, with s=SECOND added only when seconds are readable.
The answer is h=4 m=28
